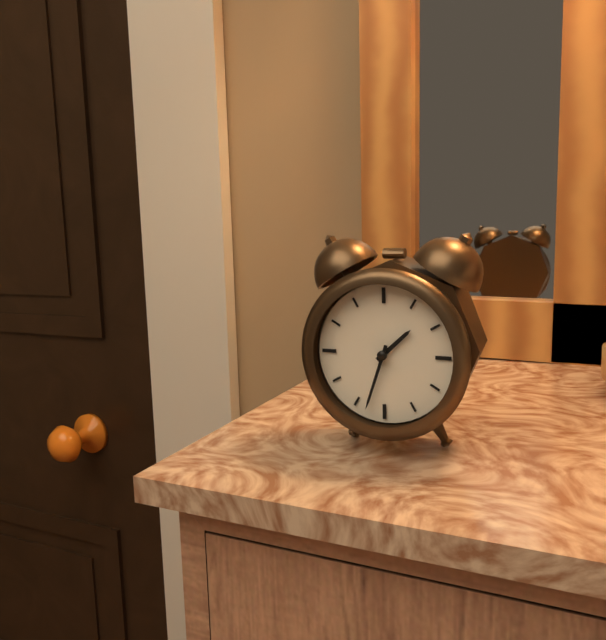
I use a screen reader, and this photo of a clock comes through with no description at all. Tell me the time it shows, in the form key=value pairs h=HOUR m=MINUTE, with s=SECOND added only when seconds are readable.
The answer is h=1 m=33
